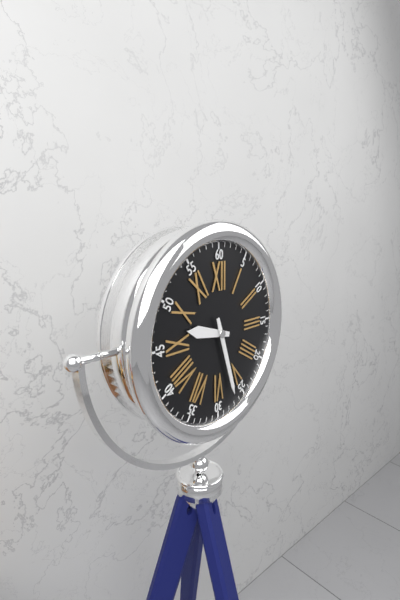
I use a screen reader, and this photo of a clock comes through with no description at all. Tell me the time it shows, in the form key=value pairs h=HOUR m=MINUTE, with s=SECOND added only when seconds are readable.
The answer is h=9 m=27
